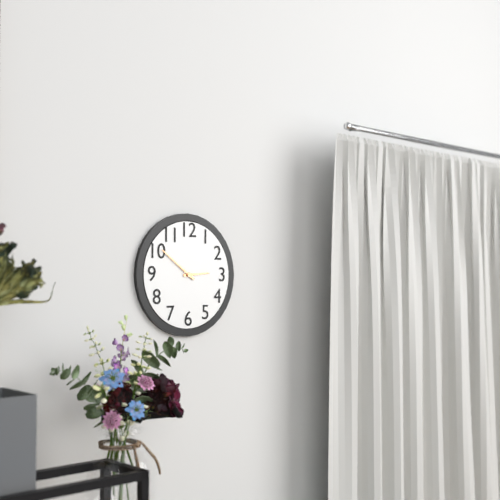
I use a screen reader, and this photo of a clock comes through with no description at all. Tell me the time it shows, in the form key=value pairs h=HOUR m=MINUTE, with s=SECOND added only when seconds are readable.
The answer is h=2 m=51
